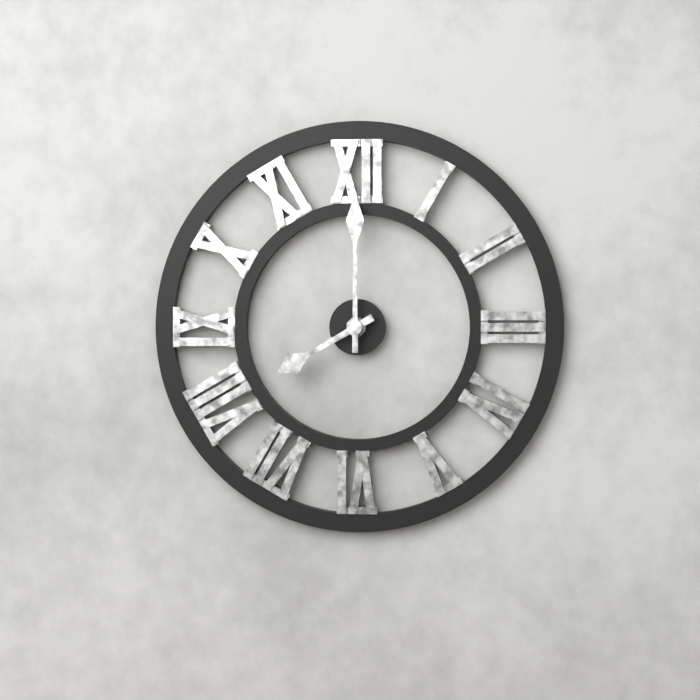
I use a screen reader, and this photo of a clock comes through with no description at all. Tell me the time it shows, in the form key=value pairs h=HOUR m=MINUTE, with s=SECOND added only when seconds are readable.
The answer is h=8 m=0
